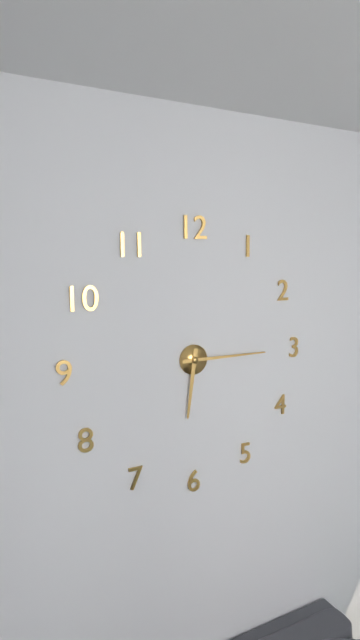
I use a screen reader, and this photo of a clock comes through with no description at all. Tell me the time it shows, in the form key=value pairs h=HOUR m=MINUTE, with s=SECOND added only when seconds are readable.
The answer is h=6 m=15
